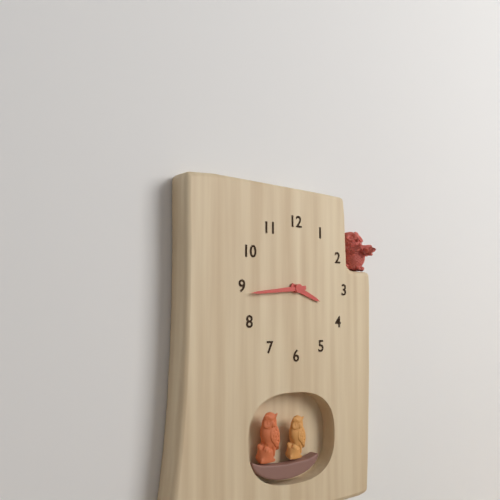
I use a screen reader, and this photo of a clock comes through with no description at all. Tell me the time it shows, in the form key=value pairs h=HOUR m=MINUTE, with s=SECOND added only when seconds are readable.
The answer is h=3 m=44
